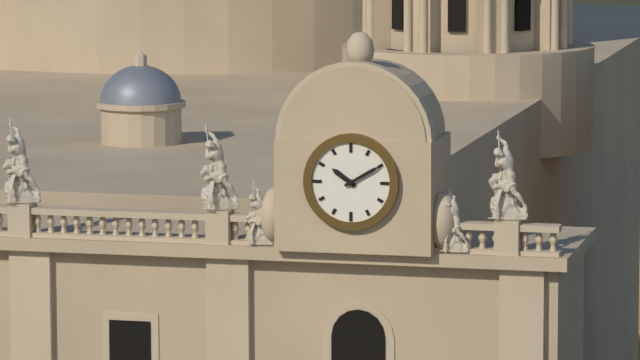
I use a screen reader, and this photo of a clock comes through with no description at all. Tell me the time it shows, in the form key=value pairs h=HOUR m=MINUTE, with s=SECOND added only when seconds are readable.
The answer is h=10 m=10
